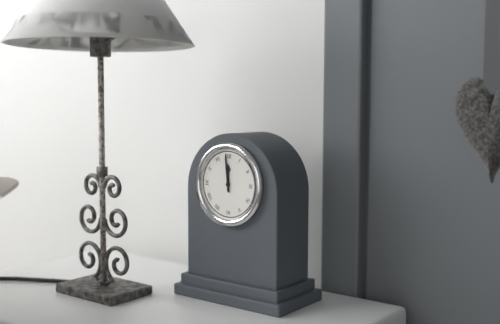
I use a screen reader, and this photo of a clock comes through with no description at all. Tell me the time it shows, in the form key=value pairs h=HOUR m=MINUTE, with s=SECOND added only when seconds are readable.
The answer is h=11 m=59
